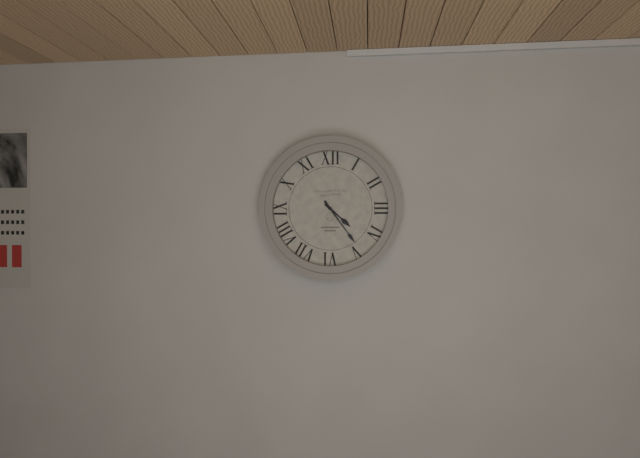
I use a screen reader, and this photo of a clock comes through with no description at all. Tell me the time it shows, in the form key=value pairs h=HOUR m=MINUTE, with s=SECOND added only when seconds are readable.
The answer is h=4 m=24
